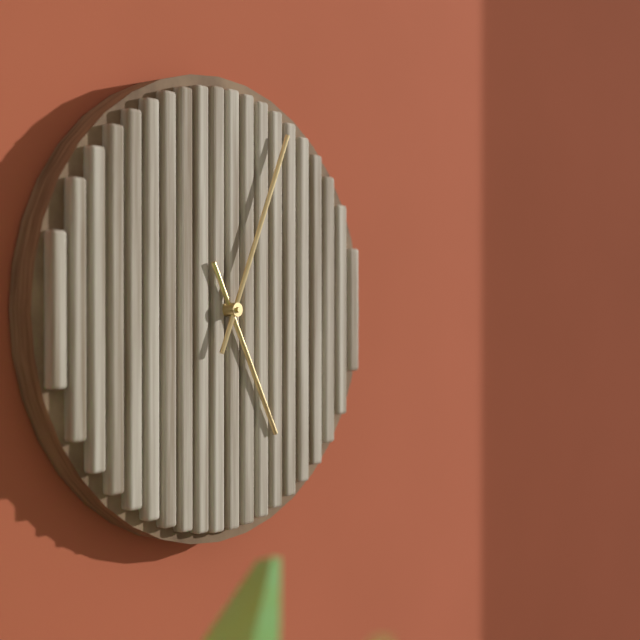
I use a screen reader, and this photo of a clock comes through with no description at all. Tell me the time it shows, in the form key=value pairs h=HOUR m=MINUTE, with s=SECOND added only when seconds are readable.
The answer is h=5 m=4
